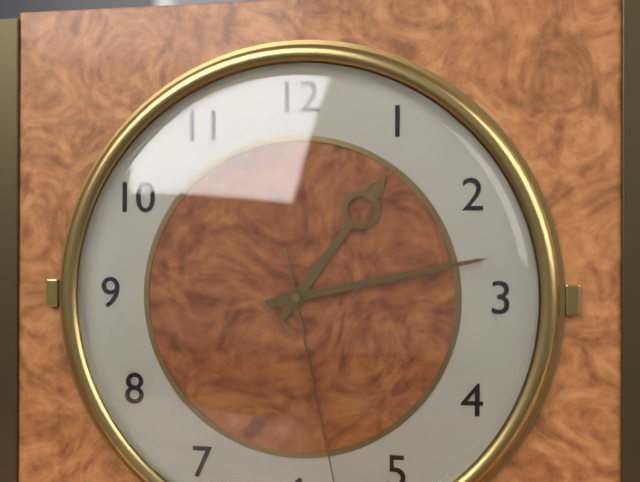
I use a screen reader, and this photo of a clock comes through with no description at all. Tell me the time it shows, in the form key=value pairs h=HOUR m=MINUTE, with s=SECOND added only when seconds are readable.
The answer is h=1 m=13
